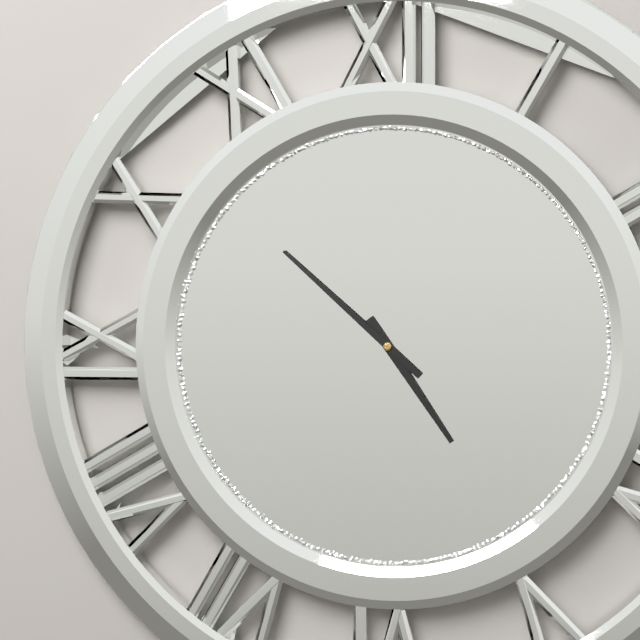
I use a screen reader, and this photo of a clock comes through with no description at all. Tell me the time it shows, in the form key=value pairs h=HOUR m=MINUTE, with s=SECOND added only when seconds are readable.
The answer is h=4 m=52
